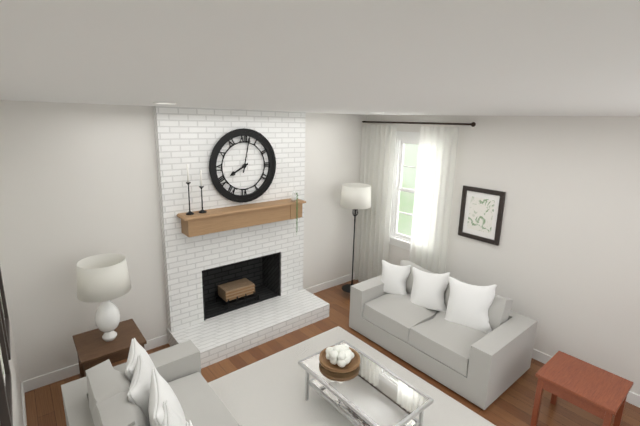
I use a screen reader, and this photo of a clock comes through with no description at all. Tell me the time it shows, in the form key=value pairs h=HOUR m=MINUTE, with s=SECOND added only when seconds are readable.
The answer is h=8 m=2
